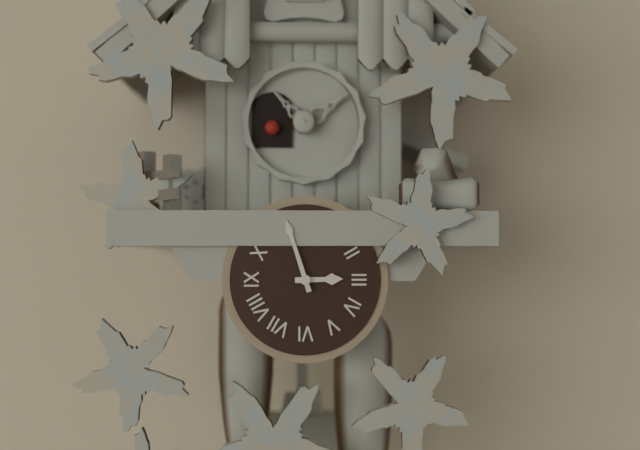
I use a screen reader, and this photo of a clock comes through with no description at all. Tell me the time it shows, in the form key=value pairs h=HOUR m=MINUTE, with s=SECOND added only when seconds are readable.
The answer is h=2 m=57
